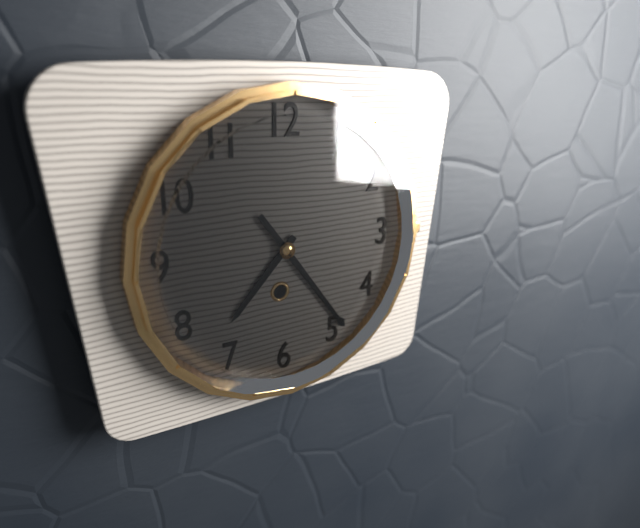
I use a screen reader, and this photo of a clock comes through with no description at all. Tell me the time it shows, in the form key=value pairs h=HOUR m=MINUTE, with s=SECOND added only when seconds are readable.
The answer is h=7 m=24
